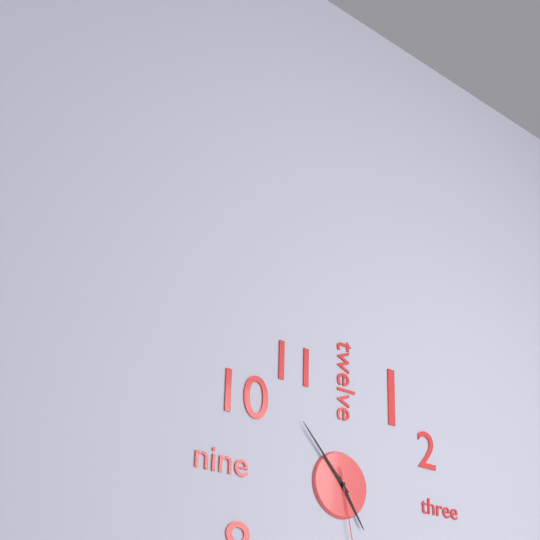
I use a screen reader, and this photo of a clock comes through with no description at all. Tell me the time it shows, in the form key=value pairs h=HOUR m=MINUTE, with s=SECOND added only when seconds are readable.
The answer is h=4 m=53
